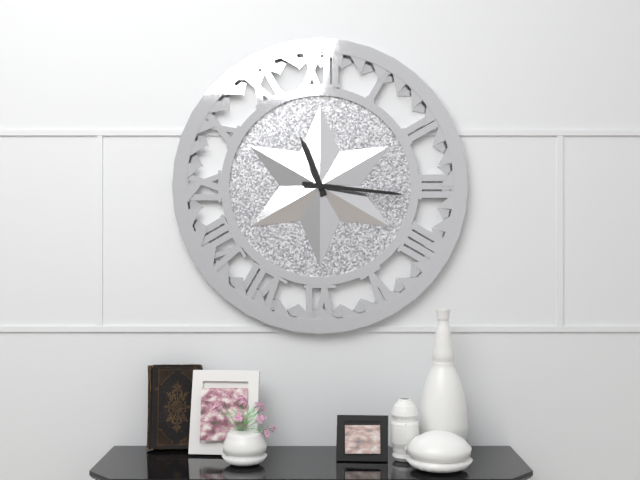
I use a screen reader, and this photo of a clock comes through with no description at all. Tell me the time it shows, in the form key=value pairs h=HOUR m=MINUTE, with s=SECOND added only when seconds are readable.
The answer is h=11 m=16
